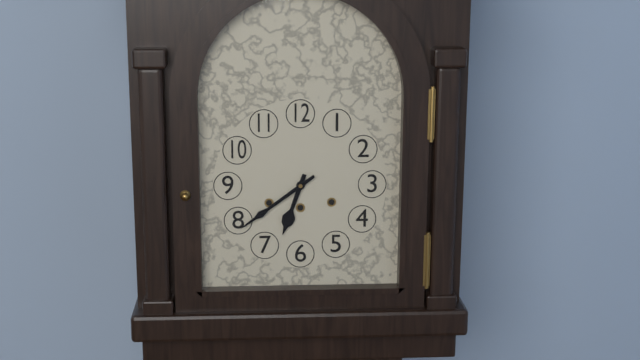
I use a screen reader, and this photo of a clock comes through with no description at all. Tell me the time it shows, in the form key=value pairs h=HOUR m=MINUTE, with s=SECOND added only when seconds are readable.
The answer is h=6 m=39
